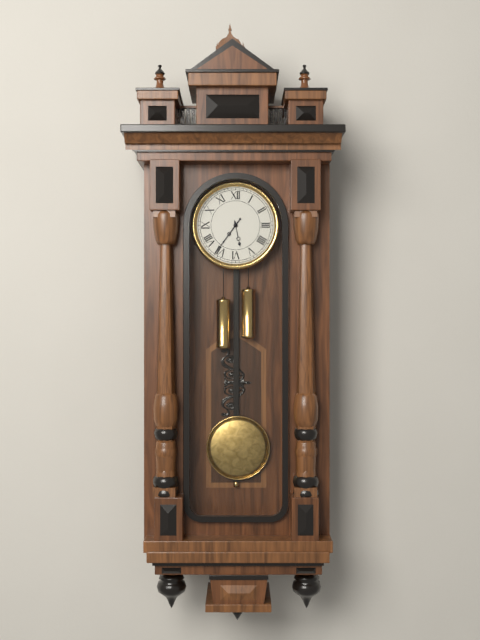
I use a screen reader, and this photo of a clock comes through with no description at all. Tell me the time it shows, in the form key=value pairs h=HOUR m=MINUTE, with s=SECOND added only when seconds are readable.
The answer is h=5 m=36
